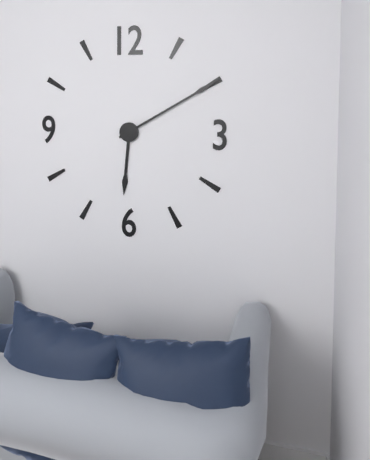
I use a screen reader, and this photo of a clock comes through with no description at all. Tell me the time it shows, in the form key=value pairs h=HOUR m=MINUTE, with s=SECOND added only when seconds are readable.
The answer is h=6 m=10
